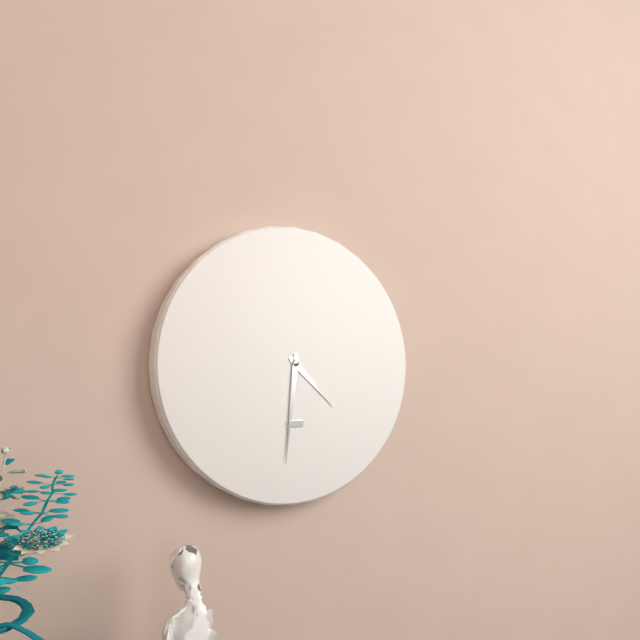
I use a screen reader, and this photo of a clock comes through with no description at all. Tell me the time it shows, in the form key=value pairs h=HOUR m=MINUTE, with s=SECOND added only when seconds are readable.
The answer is h=4 m=31
